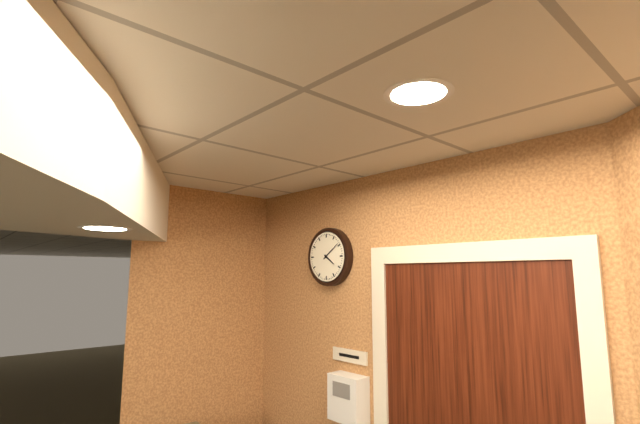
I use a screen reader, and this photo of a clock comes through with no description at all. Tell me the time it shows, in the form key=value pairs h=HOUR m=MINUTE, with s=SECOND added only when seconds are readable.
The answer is h=4 m=9
